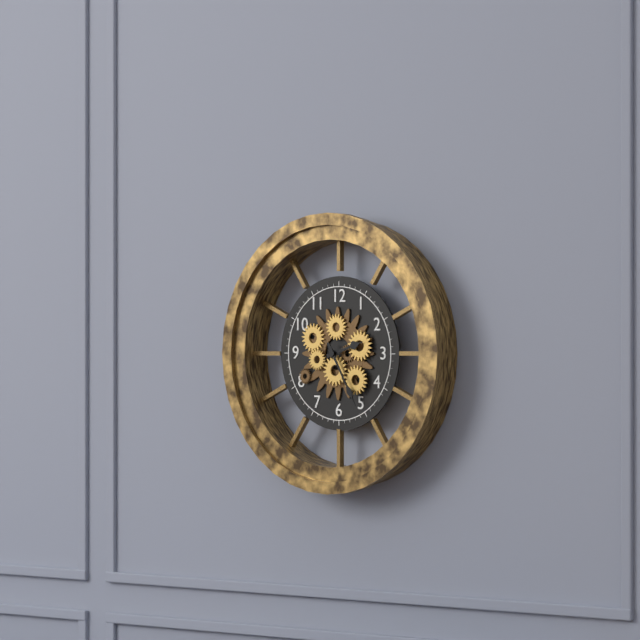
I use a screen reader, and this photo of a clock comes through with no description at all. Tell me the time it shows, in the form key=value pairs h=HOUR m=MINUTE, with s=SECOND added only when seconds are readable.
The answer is h=2 m=25
